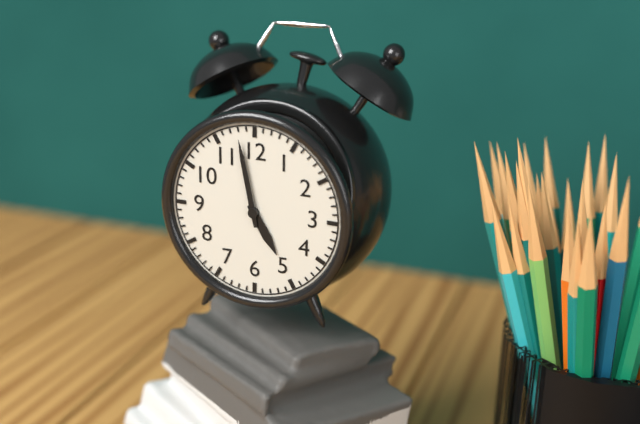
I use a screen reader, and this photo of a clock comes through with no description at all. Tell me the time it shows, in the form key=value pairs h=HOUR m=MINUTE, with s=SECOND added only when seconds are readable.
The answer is h=4 m=58
